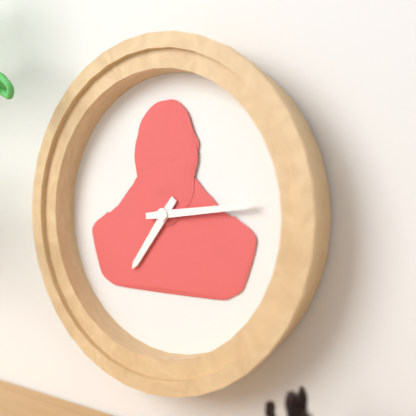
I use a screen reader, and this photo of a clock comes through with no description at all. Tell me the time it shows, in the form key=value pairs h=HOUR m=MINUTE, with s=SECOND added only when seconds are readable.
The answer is h=7 m=14
